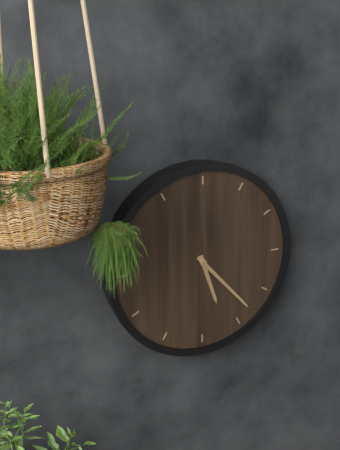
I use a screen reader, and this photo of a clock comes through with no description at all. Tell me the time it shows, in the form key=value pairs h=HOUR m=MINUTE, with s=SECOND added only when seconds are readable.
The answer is h=5 m=23
